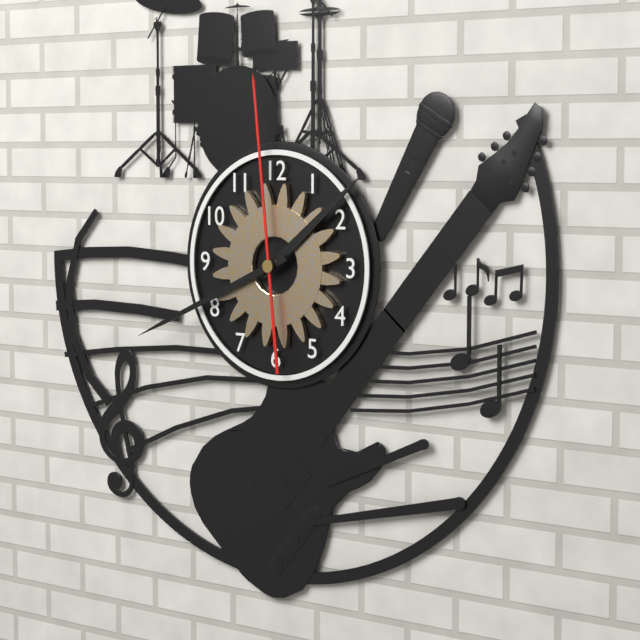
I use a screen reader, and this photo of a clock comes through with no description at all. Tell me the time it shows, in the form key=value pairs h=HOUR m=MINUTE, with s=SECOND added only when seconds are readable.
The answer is h=1 m=41 s=59
